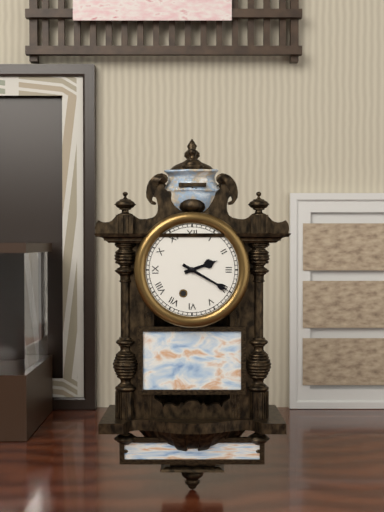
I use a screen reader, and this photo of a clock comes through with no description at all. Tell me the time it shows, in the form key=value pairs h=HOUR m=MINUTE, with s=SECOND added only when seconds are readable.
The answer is h=2 m=20
